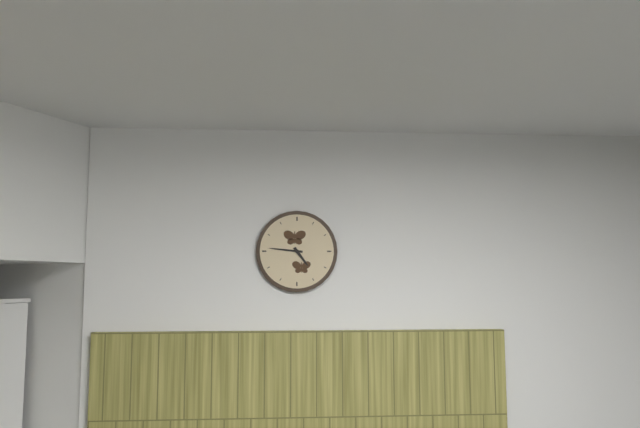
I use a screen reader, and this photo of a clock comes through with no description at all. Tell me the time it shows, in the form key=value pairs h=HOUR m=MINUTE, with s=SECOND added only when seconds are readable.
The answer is h=4 m=46
